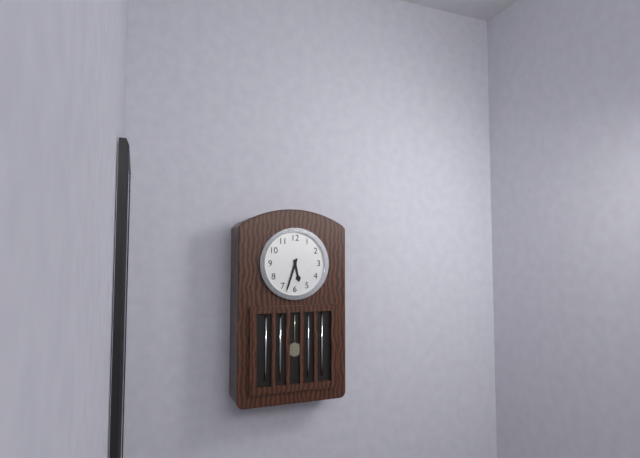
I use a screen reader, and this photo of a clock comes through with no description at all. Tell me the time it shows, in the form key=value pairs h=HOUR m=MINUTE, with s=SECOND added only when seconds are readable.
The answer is h=5 m=33
